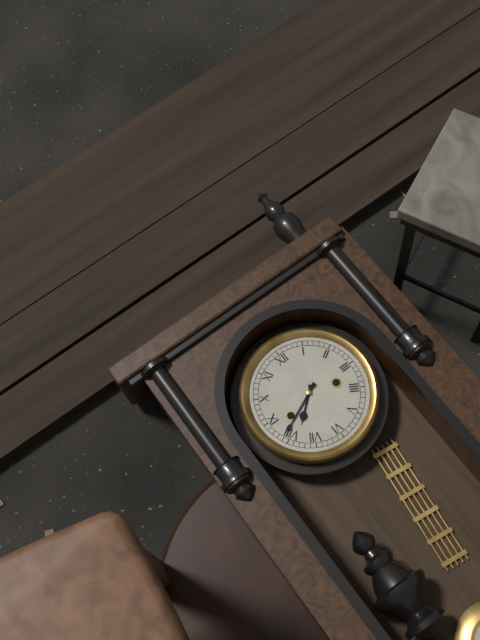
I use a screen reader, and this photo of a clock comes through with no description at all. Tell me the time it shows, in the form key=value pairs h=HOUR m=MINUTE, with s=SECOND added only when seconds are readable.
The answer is h=7 m=41
